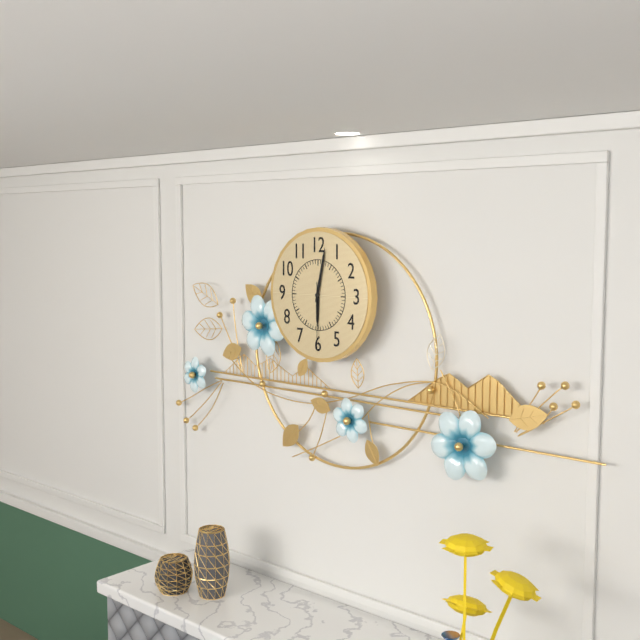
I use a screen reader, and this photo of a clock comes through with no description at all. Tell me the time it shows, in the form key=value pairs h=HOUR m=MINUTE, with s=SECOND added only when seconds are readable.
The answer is h=6 m=2 s=30
